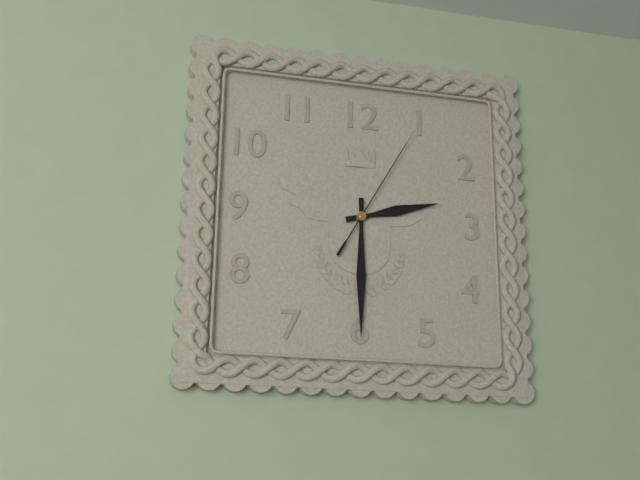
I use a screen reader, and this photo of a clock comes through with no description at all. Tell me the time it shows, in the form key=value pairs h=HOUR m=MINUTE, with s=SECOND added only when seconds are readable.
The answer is h=2 m=30 s=5
